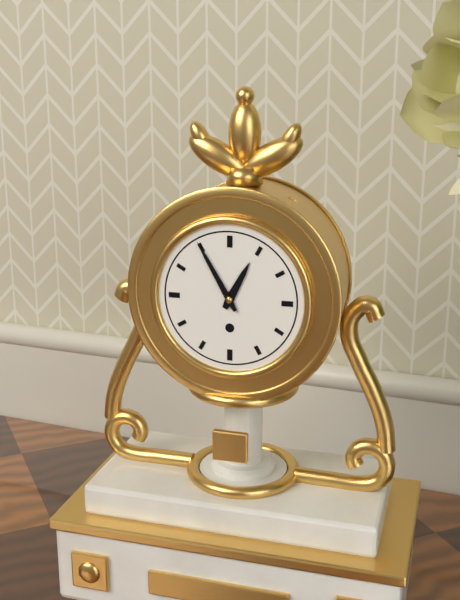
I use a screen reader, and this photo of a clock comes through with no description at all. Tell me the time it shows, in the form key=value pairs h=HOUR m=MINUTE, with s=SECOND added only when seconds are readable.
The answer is h=12 m=55
